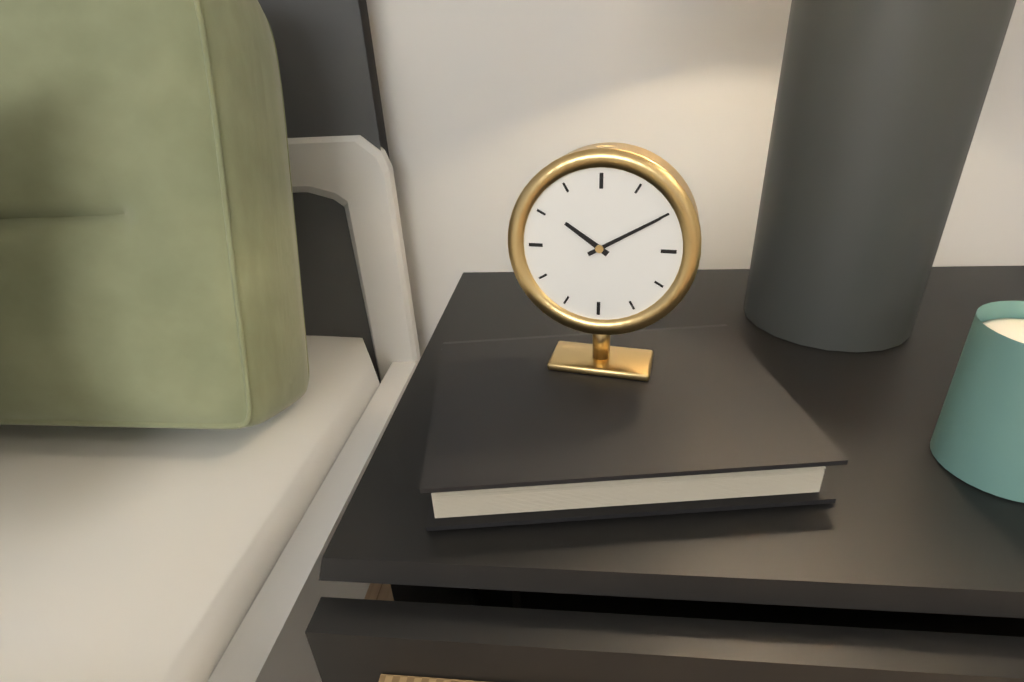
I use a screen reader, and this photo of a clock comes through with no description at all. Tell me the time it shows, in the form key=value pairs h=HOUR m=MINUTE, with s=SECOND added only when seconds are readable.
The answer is h=10 m=10
